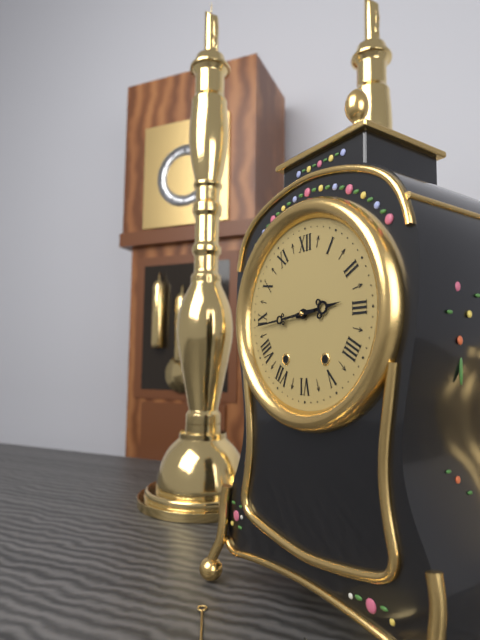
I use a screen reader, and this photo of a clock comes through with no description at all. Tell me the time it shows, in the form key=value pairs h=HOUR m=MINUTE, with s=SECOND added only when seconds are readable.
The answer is h=2 m=44
